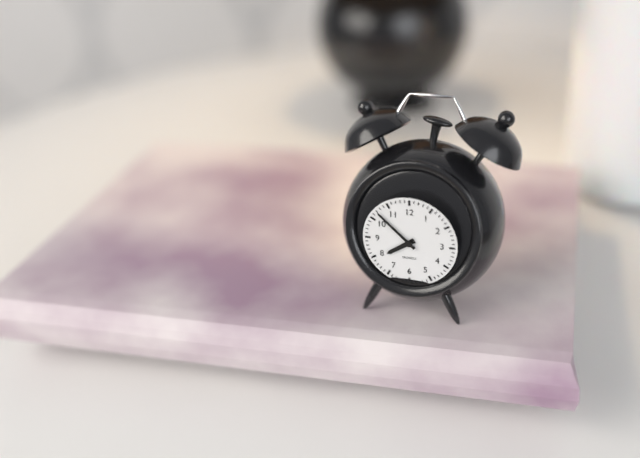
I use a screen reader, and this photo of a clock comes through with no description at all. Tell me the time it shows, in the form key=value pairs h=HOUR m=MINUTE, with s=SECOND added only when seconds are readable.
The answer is h=7 m=52
